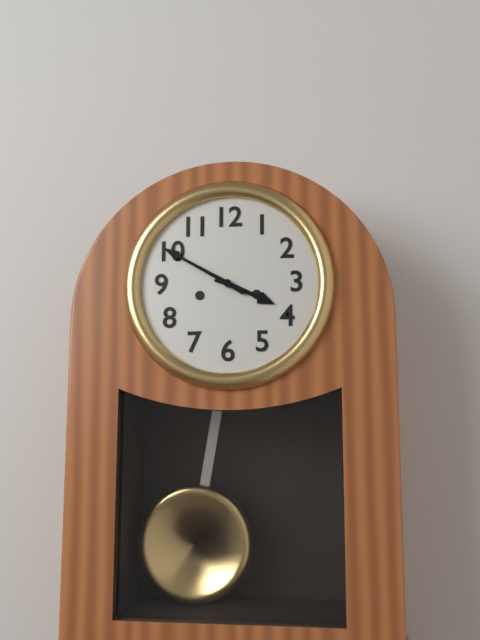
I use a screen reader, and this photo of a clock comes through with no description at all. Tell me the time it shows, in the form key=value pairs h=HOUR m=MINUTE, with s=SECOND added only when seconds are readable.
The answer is h=3 m=50
